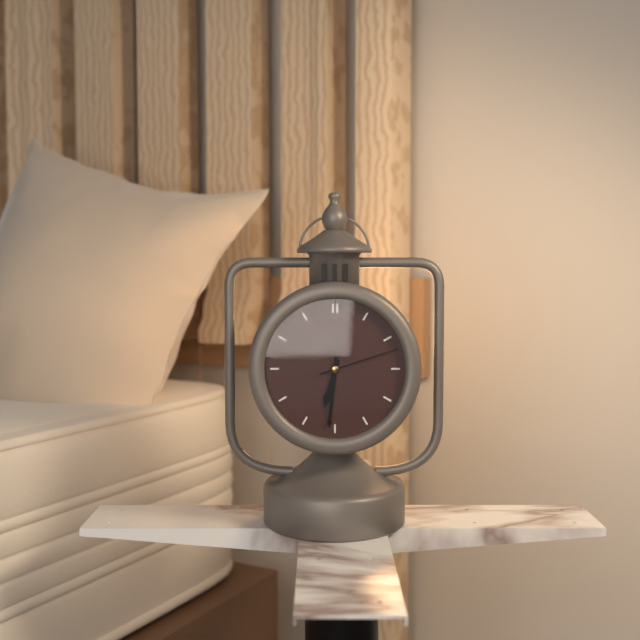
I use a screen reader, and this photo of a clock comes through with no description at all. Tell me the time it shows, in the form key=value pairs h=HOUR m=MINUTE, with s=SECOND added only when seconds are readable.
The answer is h=6 m=31 s=12
